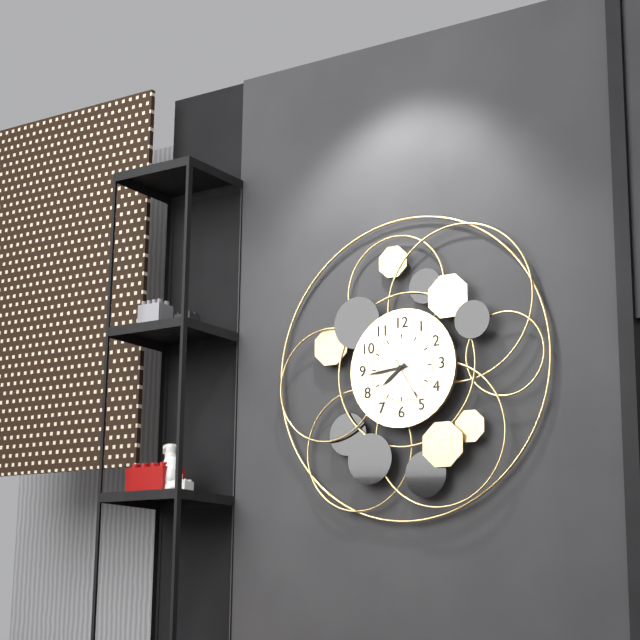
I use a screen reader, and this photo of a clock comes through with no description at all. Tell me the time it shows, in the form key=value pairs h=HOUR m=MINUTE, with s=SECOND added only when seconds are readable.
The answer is h=7 m=44
